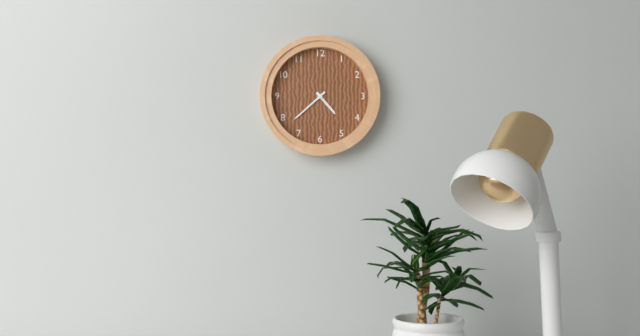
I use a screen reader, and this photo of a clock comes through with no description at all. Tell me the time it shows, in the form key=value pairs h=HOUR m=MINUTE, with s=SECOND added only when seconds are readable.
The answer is h=4 m=38
